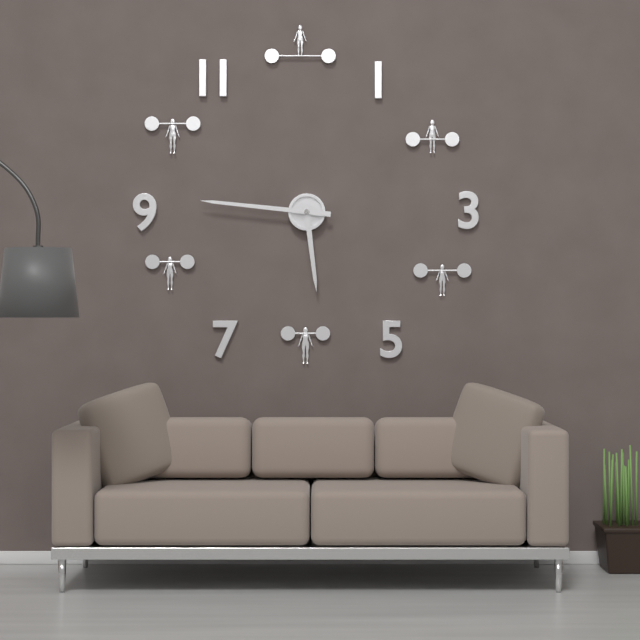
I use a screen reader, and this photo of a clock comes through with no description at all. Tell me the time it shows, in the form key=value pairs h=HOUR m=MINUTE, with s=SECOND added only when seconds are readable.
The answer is h=5 m=46
